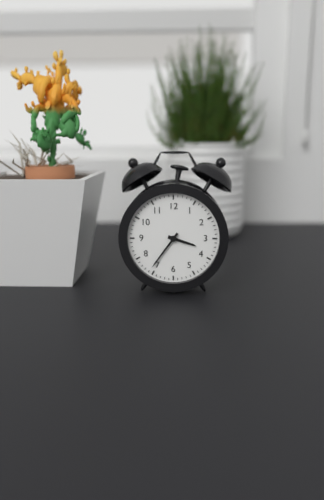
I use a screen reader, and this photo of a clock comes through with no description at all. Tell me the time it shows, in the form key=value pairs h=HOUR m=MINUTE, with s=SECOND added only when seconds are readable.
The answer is h=3 m=36
